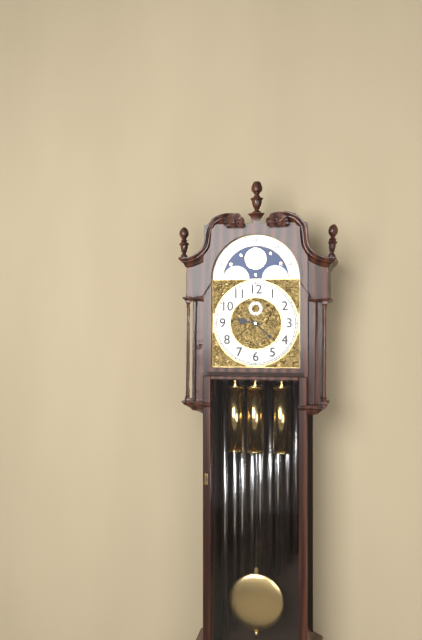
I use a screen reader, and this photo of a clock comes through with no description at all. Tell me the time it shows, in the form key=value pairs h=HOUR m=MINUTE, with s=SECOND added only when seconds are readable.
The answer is h=9 m=22
